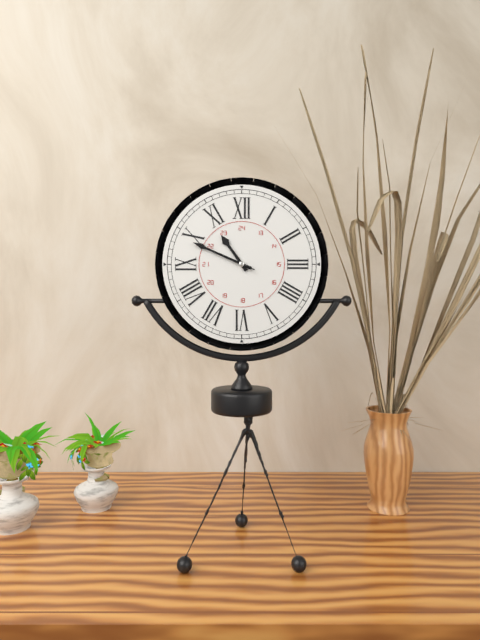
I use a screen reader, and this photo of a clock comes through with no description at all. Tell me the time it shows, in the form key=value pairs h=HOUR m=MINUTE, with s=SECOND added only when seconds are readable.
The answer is h=10 m=49 s=49
